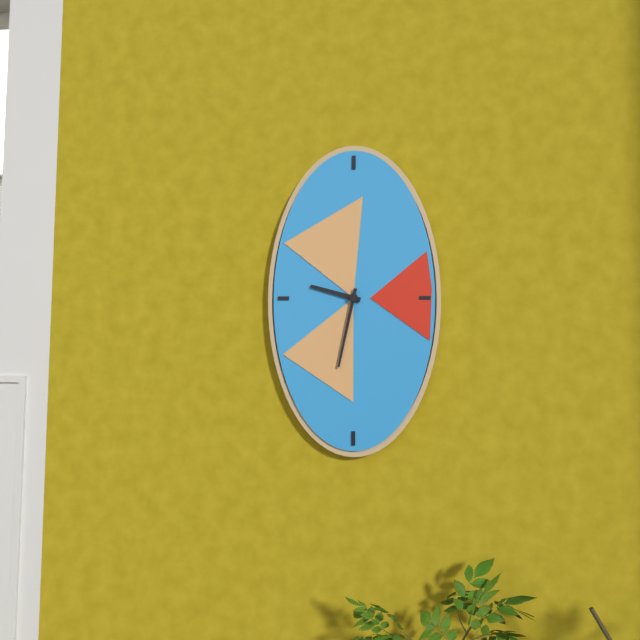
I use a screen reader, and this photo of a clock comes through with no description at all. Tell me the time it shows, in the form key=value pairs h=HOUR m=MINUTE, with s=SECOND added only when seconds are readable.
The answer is h=9 m=32
